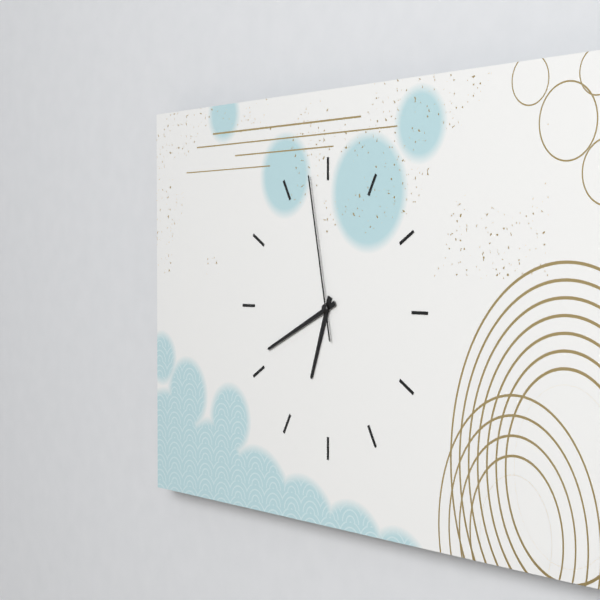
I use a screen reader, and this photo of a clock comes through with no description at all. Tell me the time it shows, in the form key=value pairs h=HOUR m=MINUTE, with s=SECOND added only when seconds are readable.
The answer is h=6 m=41 s=58
